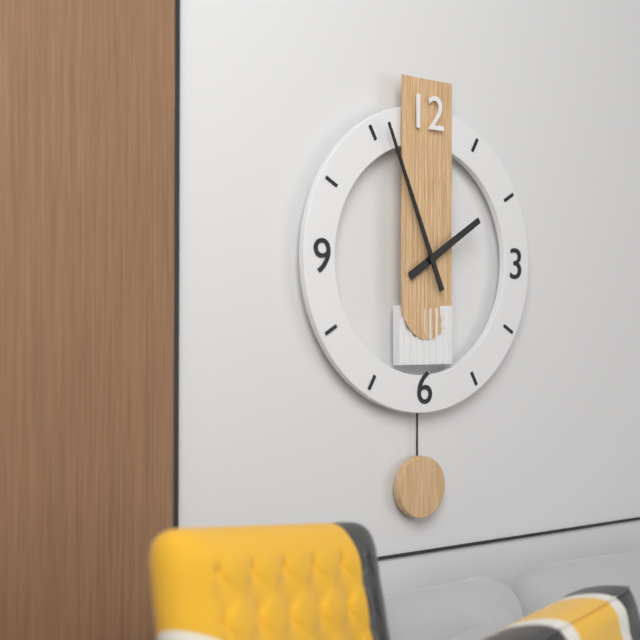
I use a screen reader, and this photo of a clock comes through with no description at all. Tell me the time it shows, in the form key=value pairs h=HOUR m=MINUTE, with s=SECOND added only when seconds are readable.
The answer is h=1 m=56
